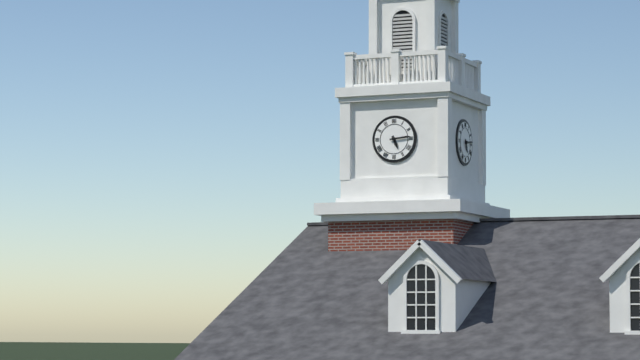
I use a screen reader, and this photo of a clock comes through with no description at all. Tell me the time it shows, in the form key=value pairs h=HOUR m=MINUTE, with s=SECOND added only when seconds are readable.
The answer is h=5 m=14
